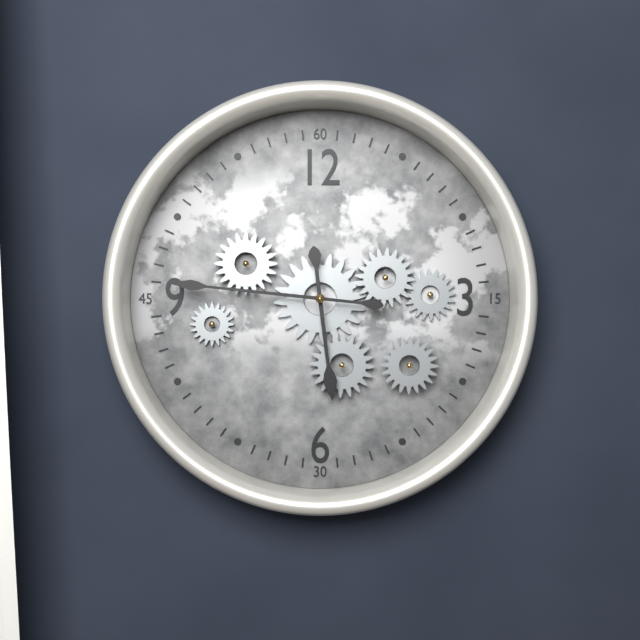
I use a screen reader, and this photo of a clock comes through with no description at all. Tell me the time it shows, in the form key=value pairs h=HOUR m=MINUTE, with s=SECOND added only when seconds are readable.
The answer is h=5 m=46
